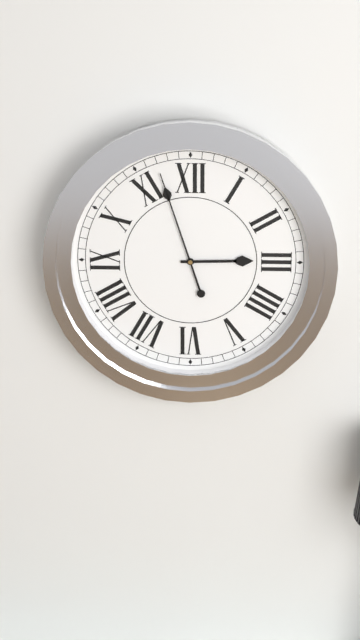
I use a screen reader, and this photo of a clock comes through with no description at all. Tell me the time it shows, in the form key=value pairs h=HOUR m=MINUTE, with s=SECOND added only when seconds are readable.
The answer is h=2 m=57
